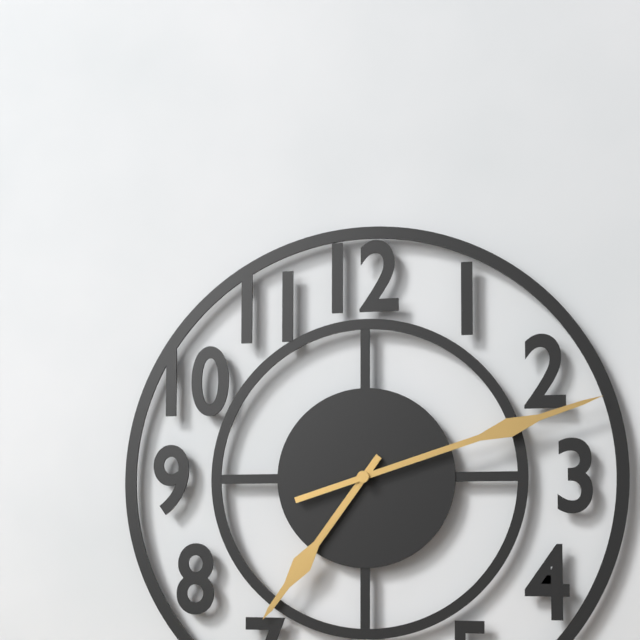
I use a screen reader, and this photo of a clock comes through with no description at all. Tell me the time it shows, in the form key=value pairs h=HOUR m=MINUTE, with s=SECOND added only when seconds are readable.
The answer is h=7 m=12
